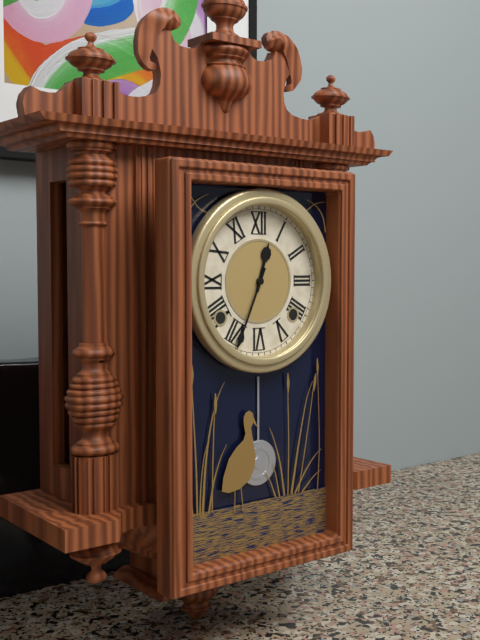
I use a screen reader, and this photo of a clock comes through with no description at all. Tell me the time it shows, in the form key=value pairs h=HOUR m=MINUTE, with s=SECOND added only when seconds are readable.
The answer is h=12 m=34
